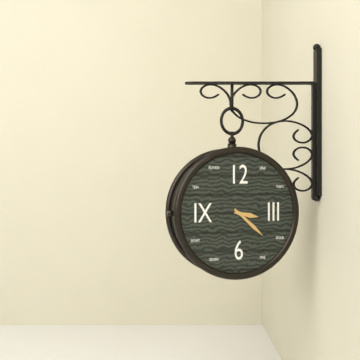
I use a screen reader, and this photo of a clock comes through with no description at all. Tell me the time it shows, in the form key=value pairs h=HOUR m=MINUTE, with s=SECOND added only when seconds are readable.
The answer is h=3 m=22
